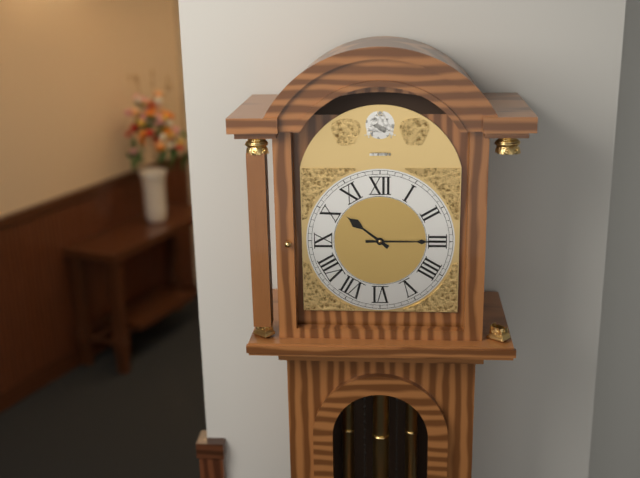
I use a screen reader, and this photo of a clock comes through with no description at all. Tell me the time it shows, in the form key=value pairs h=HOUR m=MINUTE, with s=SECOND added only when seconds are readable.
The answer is h=10 m=15
